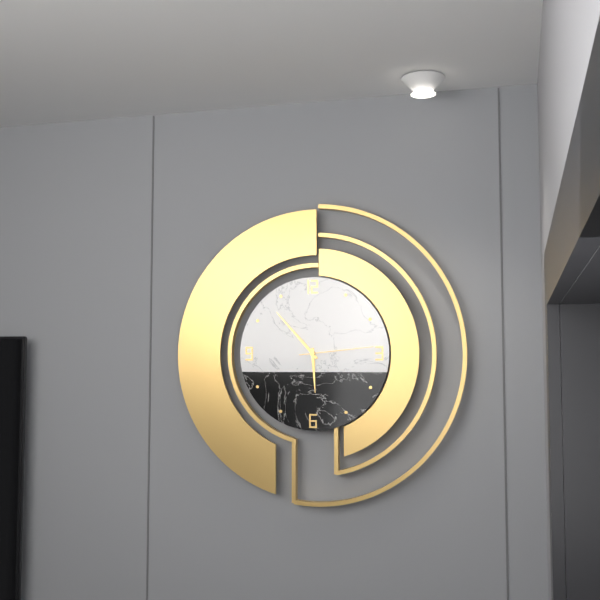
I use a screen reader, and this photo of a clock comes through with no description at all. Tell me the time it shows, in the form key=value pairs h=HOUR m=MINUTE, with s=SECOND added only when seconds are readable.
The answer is h=5 m=53 s=14
